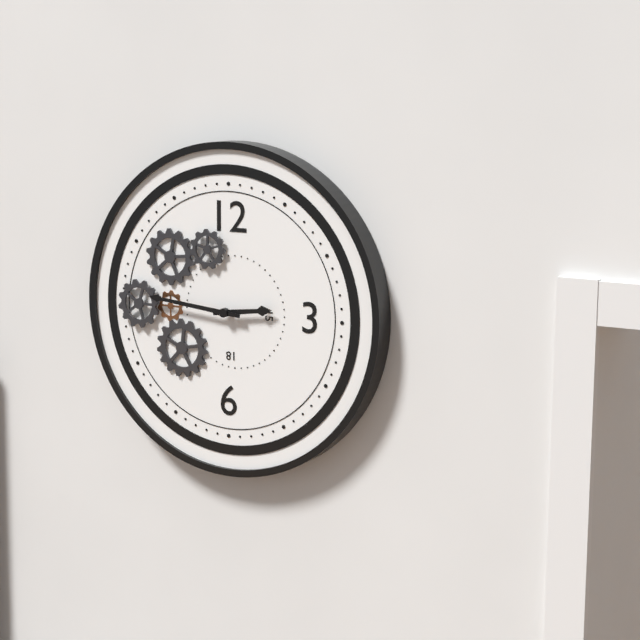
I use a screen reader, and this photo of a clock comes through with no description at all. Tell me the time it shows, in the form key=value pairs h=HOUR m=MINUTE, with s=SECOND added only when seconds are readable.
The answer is h=2 m=46
